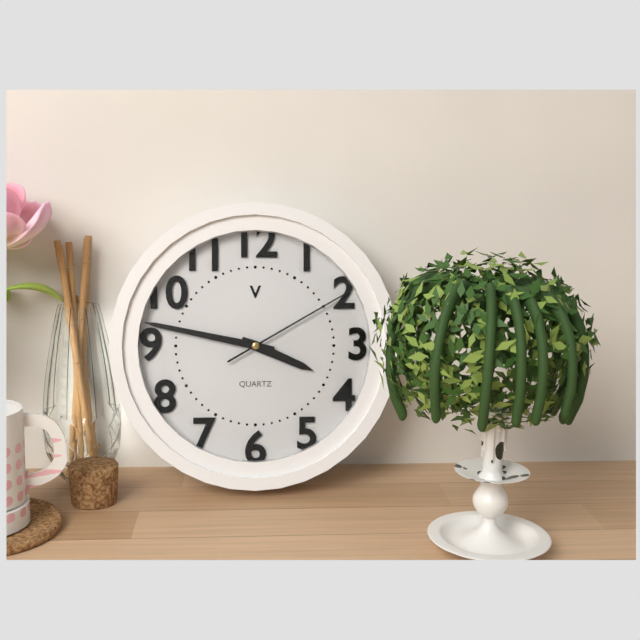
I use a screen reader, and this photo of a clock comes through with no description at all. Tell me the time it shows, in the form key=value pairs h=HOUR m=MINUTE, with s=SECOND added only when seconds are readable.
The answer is h=3 m=47 s=10
